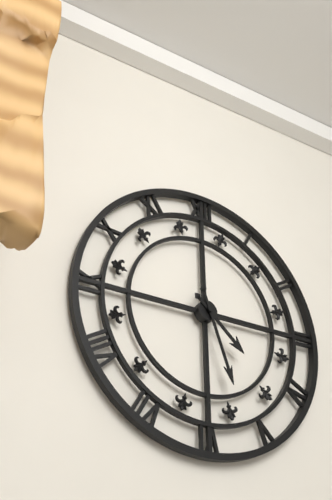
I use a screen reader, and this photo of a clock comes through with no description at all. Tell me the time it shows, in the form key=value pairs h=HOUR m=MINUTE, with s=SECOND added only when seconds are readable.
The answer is h=4 m=27
